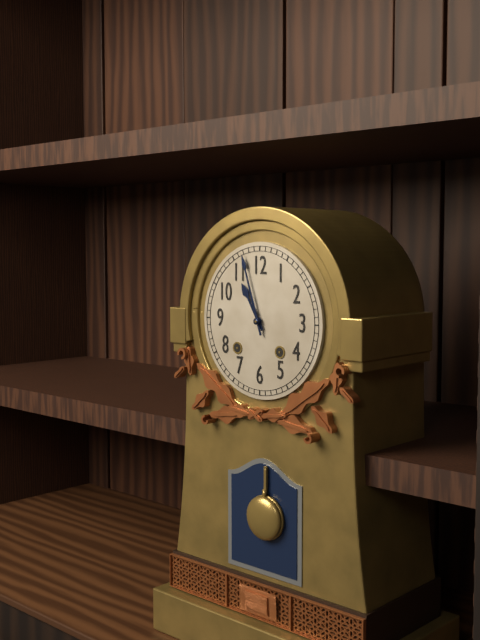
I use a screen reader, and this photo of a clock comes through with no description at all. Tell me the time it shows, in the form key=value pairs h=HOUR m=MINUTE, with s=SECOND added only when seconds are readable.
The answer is h=10 m=57
